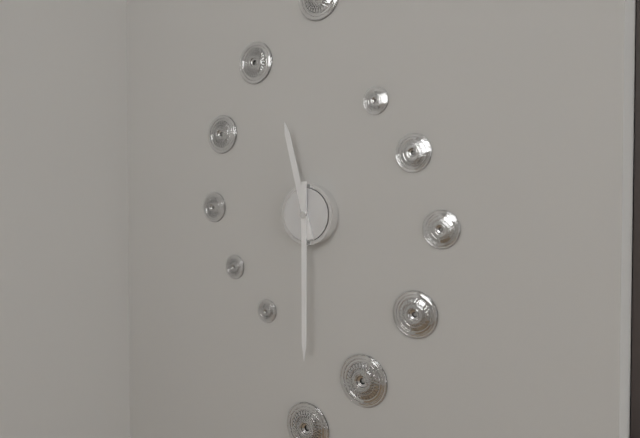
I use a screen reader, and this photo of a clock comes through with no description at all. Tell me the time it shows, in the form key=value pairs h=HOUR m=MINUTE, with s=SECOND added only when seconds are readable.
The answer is h=11 m=30
